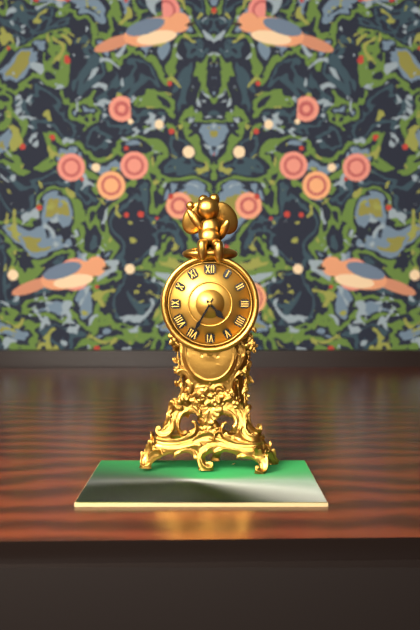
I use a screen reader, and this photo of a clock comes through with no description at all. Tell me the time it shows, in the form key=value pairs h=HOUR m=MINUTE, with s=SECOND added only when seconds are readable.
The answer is h=4 m=35
